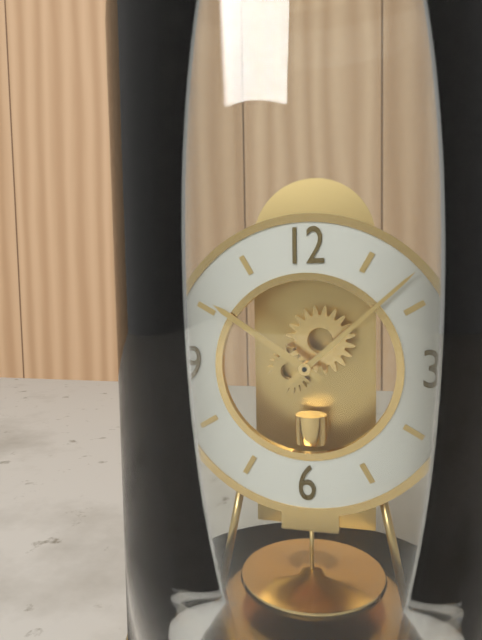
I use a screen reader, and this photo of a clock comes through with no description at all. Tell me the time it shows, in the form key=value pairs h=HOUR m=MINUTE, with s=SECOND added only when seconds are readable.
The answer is h=10 m=8
